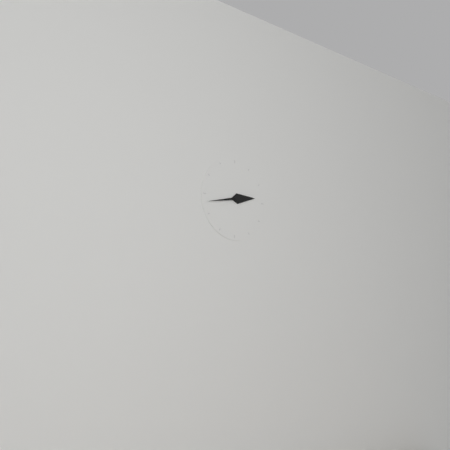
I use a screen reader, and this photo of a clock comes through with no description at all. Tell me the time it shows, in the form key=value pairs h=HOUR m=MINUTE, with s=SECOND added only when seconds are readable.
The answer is h=2 m=43
